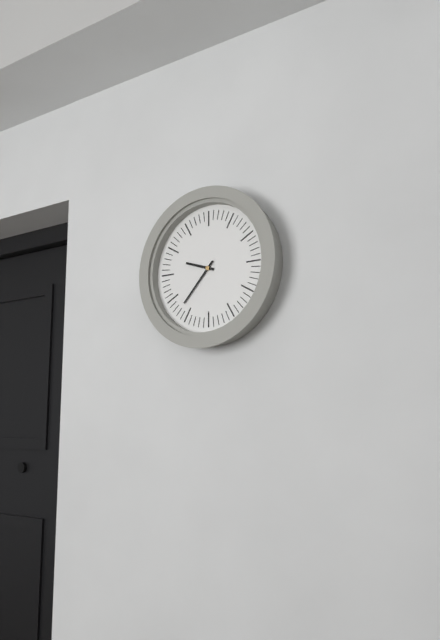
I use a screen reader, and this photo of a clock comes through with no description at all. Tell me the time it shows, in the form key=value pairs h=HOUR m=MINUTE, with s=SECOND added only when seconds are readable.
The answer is h=9 m=37
